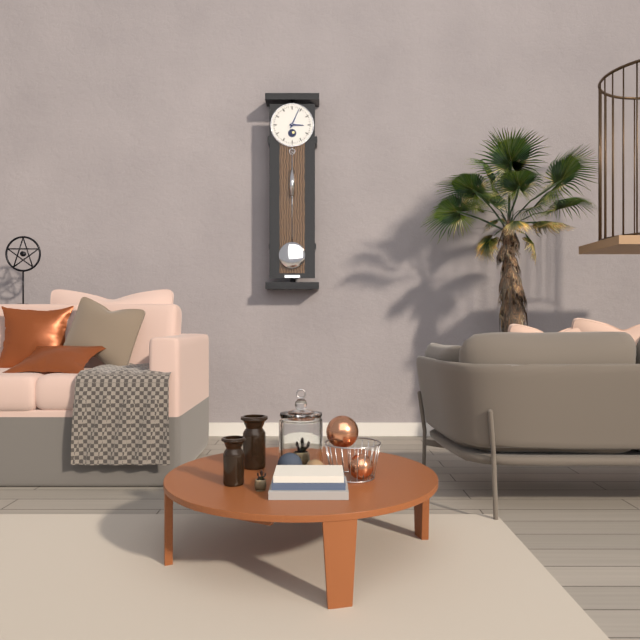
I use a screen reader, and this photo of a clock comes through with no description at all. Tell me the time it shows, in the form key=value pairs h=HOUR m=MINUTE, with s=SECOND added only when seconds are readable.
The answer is h=3 m=4
